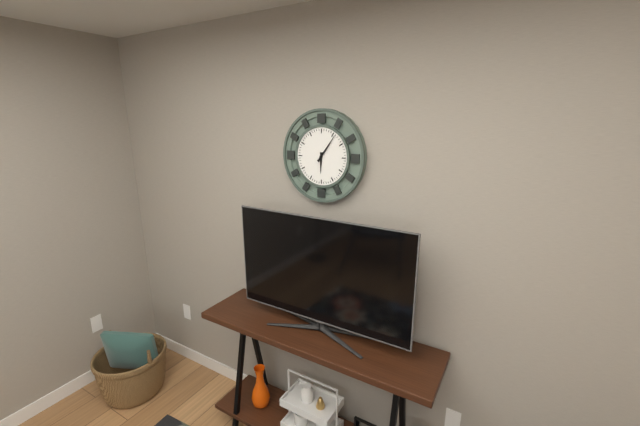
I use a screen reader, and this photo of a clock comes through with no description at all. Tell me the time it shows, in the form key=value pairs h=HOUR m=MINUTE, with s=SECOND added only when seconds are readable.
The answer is h=6 m=6
